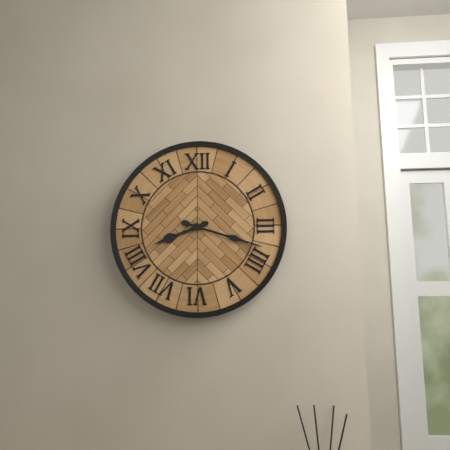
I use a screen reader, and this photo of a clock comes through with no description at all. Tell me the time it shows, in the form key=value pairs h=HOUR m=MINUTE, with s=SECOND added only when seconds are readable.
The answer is h=8 m=18
